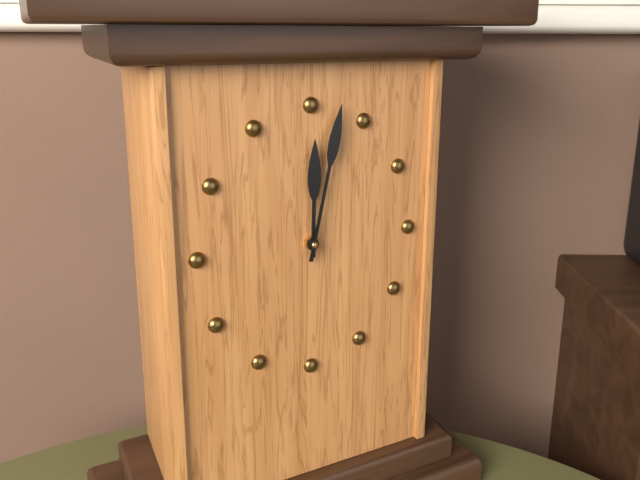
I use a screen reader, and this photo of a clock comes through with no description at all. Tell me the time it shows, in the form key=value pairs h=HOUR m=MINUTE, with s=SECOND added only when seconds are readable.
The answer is h=12 m=2
